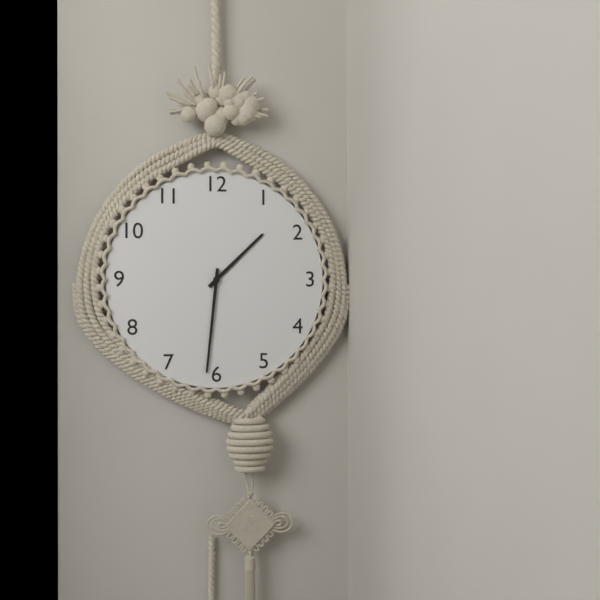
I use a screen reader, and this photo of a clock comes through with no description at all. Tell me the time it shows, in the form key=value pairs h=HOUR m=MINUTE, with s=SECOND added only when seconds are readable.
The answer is h=1 m=31
